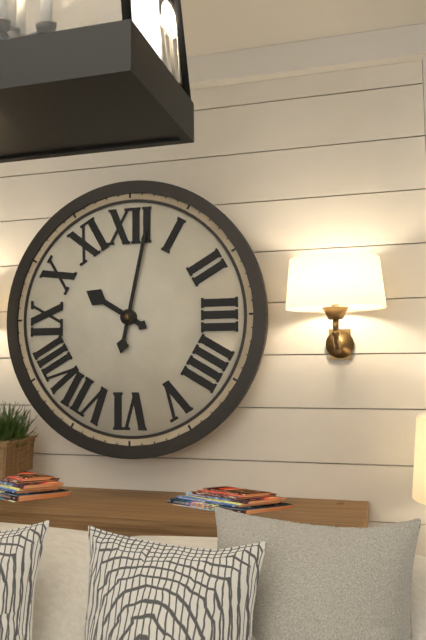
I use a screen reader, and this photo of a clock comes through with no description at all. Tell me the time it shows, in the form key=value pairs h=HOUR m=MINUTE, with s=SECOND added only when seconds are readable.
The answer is h=10 m=2
